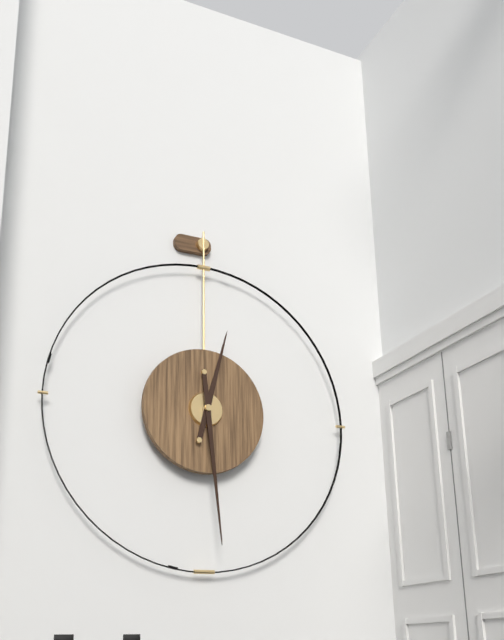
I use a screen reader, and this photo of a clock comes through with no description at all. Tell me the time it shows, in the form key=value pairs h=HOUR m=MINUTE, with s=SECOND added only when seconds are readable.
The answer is h=12 m=29
